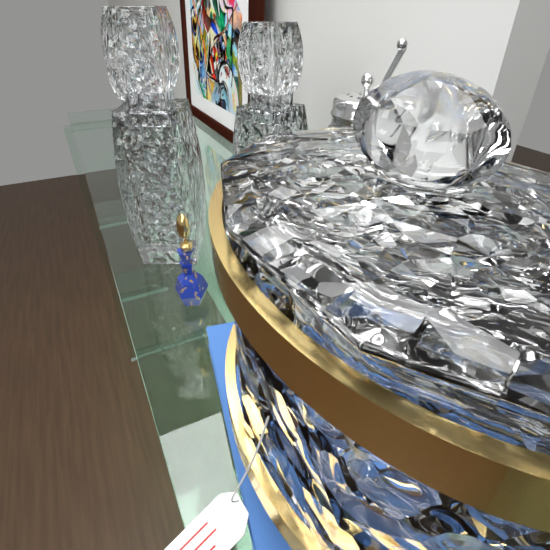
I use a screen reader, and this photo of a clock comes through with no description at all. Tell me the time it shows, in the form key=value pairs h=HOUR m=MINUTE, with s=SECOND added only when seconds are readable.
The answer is h=10 m=59
